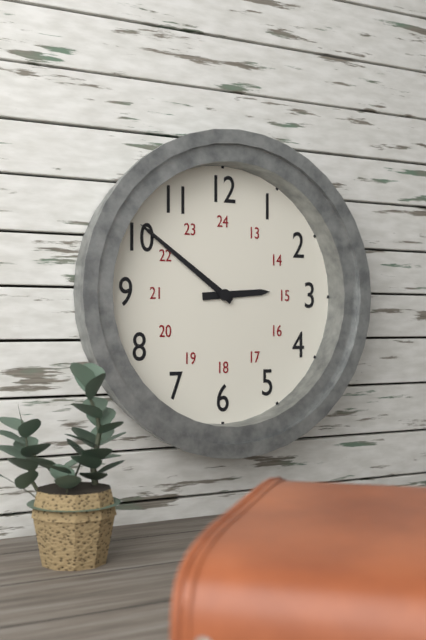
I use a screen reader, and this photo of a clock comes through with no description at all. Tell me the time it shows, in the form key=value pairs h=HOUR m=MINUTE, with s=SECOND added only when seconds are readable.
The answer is h=2 m=51
